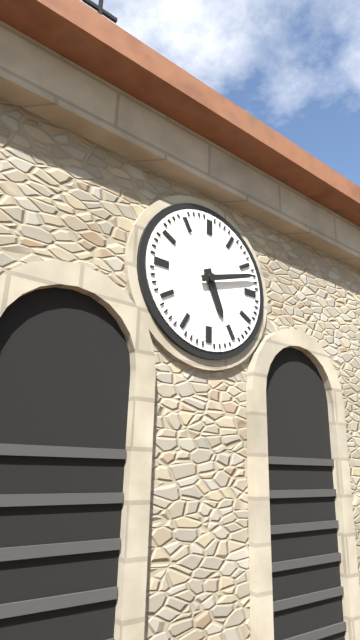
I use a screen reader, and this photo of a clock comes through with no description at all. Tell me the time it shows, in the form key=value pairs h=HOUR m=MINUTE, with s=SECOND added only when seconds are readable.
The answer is h=5 m=12
